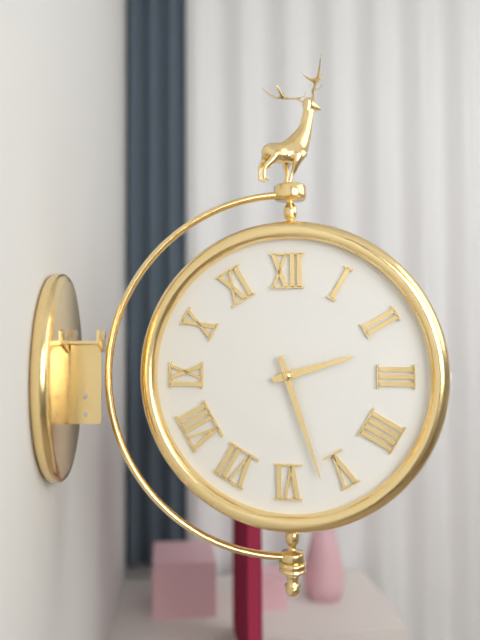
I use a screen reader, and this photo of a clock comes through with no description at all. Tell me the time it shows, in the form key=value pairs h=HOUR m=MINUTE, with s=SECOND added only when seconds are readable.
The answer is h=2 m=27
